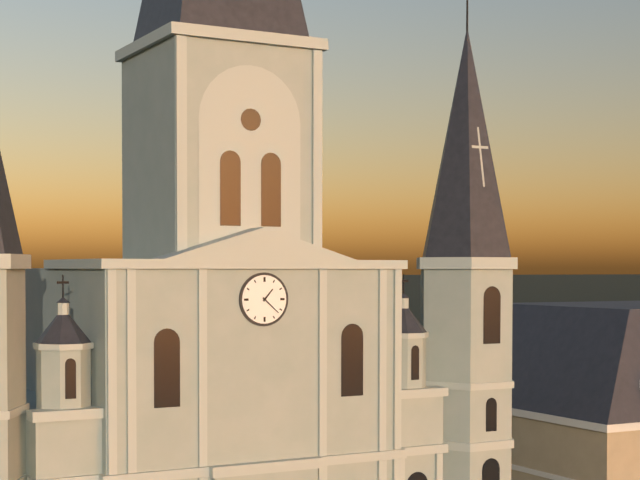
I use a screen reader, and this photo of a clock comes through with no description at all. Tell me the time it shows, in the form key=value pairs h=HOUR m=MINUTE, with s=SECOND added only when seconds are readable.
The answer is h=1 m=22
